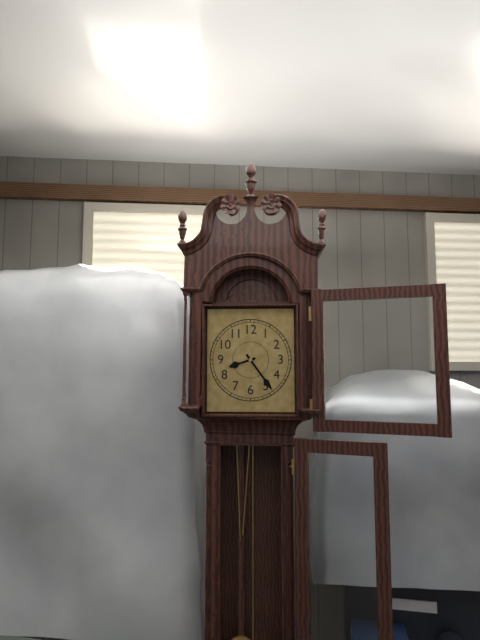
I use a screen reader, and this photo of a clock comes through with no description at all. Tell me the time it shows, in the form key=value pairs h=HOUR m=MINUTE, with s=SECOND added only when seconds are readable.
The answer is h=8 m=24
